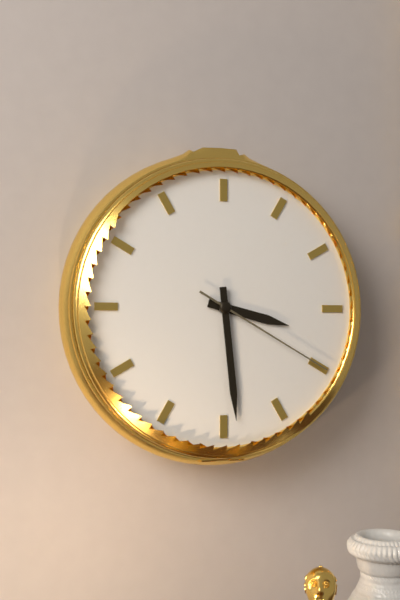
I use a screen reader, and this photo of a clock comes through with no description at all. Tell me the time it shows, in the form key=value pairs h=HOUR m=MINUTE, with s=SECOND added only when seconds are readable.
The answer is h=3 m=29 s=20
